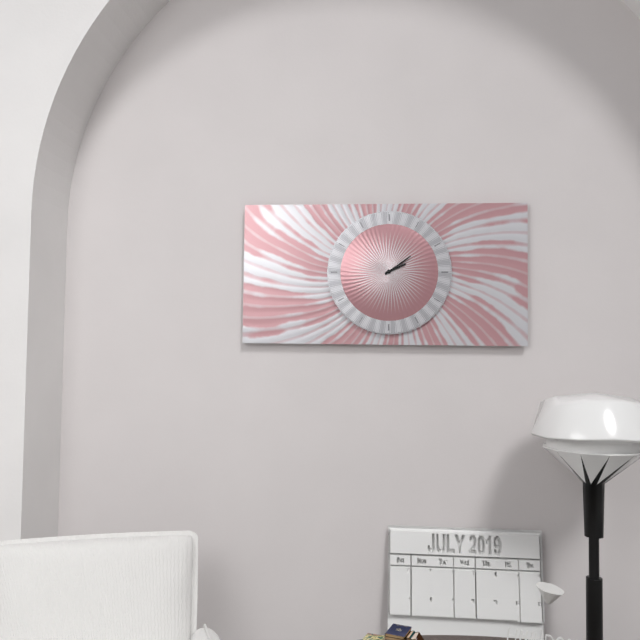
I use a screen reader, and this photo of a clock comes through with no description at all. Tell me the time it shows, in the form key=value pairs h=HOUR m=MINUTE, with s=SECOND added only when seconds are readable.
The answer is h=2 m=9
